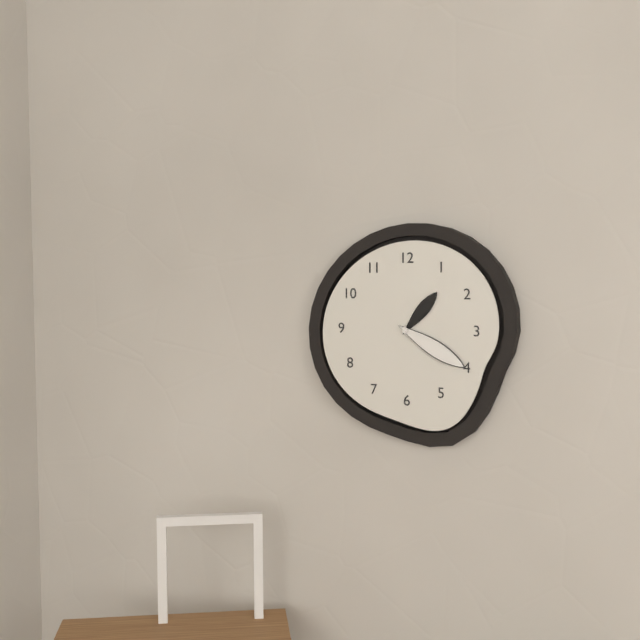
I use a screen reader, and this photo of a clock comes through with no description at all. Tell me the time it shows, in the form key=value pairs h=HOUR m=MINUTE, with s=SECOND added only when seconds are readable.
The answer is h=1 m=20
